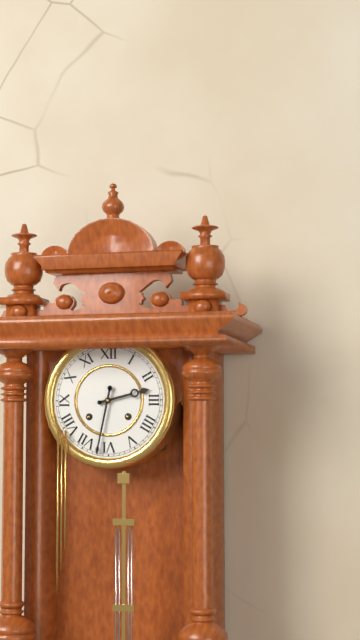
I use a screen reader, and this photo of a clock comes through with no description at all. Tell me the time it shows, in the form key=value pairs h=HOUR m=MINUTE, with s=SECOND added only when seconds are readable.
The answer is h=2 m=32
